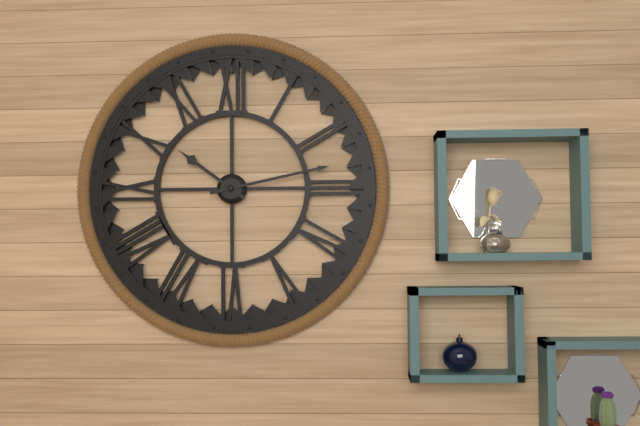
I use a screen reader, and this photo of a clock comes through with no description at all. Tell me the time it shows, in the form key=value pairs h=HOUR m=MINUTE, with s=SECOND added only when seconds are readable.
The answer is h=10 m=13
